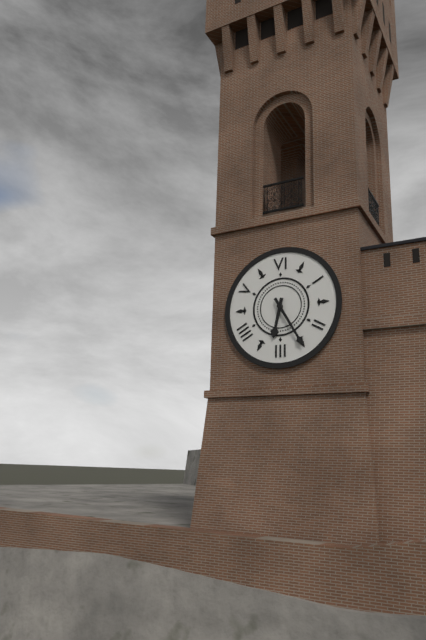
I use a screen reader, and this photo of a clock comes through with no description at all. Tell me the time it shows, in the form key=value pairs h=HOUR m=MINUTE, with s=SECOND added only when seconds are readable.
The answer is h=6 m=25
